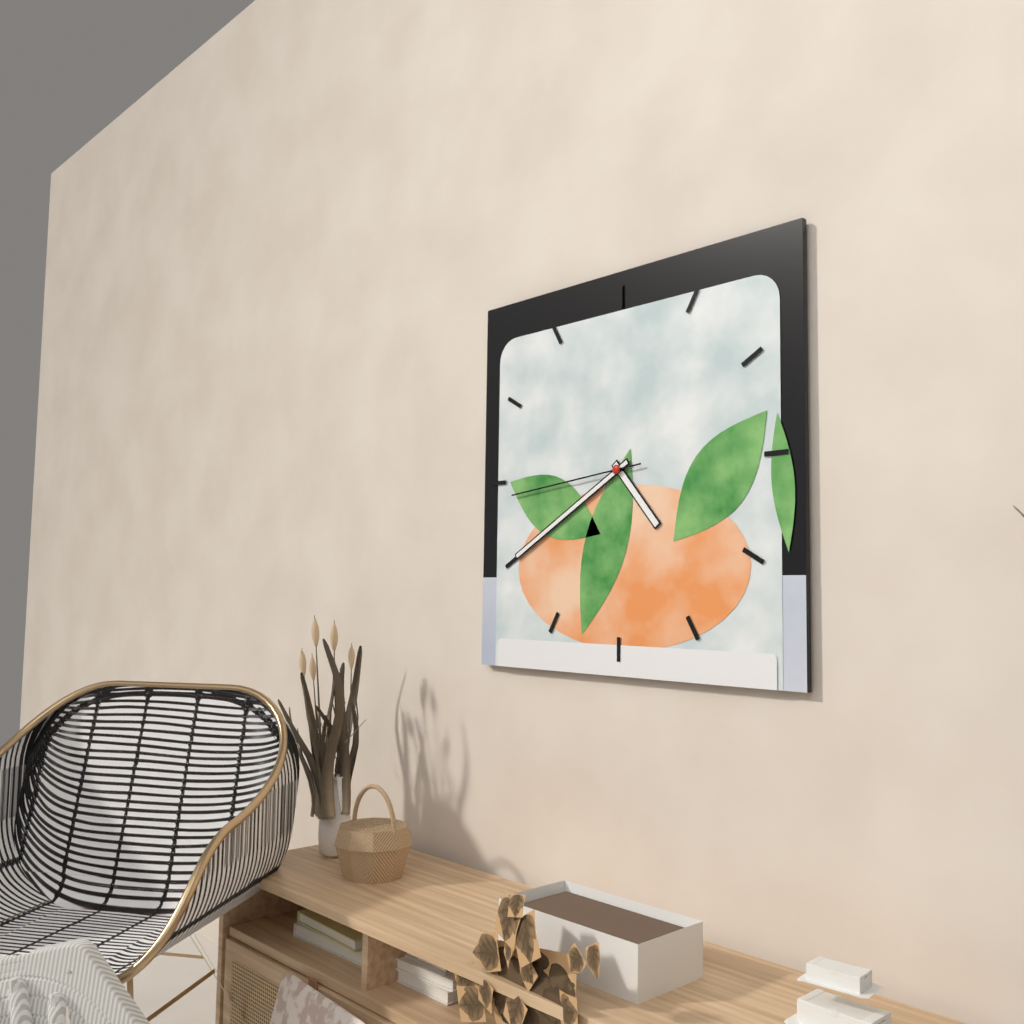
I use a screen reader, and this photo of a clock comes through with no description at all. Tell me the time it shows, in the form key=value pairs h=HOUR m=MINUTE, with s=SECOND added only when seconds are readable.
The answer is h=4 m=40 s=44
